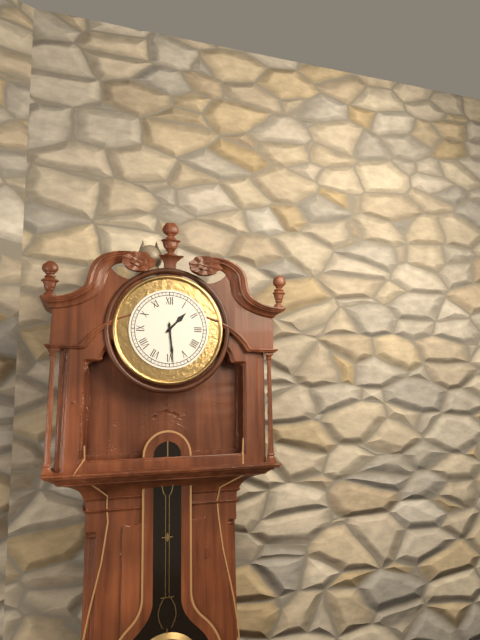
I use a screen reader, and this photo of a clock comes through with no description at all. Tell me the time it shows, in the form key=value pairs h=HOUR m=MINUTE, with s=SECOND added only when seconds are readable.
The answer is h=1 m=29
